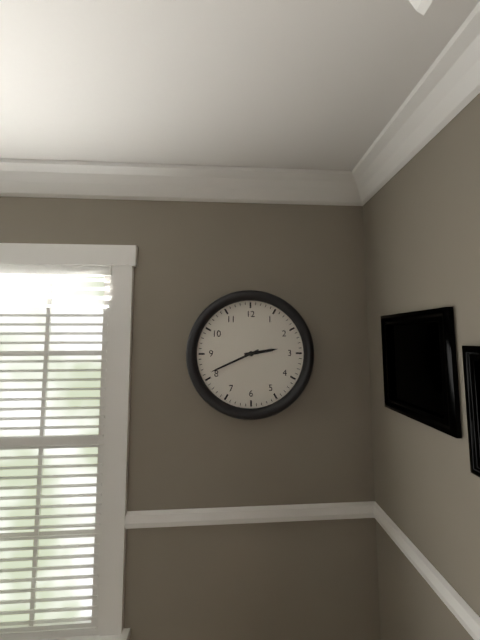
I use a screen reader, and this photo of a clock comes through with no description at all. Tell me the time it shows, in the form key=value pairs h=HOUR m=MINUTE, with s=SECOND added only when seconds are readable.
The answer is h=2 m=41
